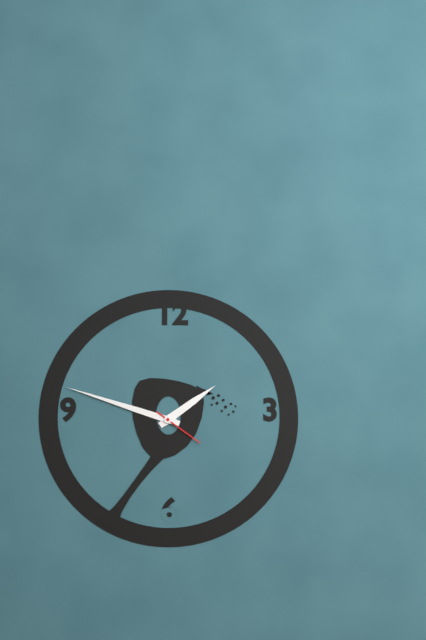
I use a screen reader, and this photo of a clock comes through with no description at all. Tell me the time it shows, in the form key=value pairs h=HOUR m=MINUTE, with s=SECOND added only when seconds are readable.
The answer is h=1 m=48 s=21
